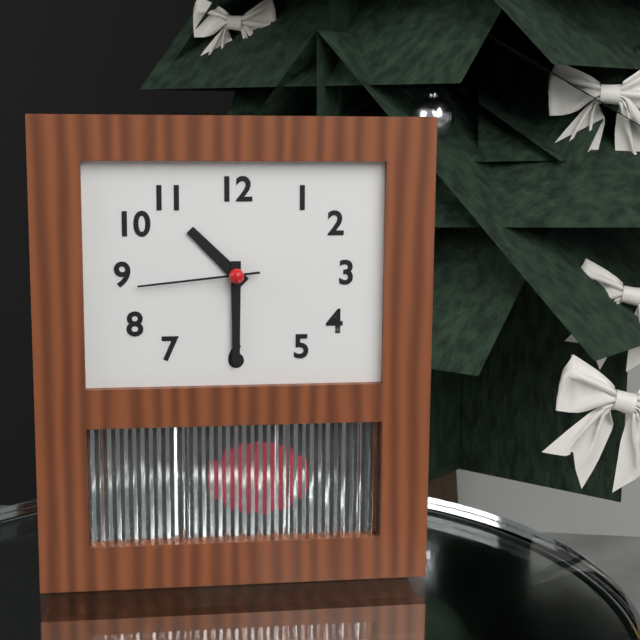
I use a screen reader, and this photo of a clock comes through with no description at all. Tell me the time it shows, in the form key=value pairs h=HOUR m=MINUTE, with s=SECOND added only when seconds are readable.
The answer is h=10 m=30 s=44
